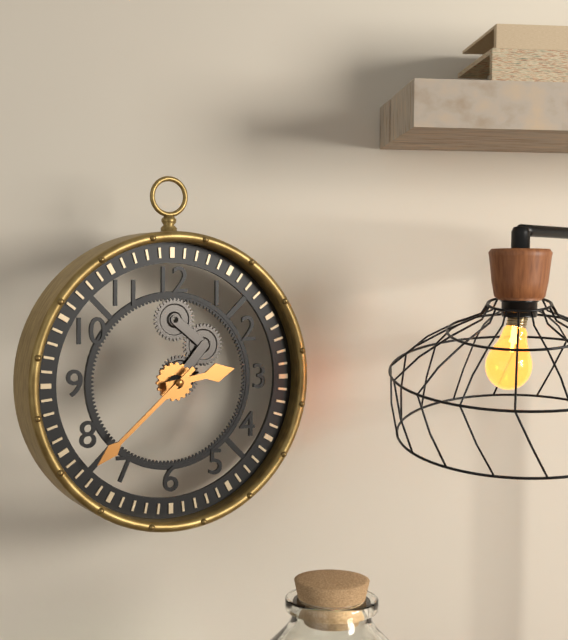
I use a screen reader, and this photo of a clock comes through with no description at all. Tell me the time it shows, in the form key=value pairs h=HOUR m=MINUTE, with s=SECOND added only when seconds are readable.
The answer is h=2 m=38
